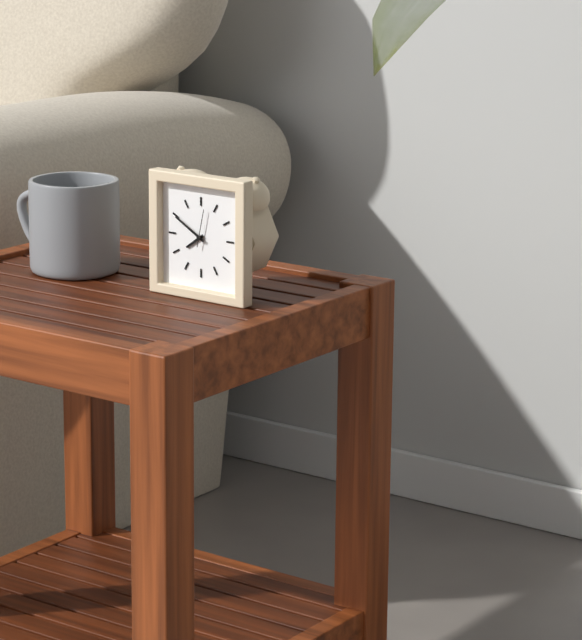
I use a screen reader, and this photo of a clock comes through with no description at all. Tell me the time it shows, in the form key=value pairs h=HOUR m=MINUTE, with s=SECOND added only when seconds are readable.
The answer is h=7 m=50
